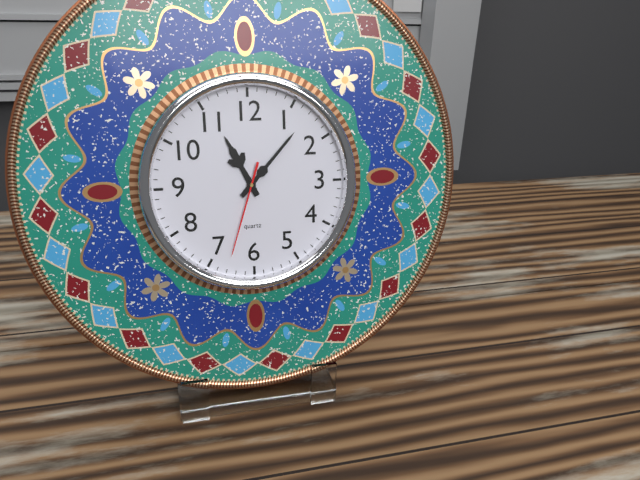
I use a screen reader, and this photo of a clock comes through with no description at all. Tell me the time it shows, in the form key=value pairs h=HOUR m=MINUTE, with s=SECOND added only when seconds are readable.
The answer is h=11 m=7 s=33
